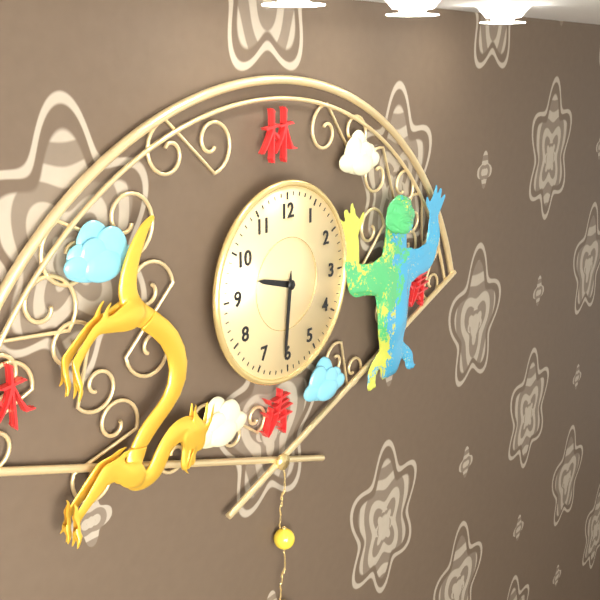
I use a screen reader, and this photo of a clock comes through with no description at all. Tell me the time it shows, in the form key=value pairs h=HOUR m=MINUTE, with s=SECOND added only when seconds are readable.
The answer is h=9 m=31
